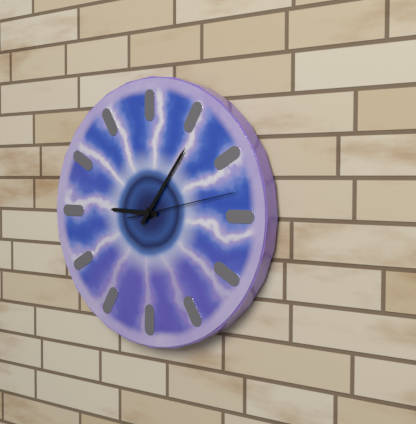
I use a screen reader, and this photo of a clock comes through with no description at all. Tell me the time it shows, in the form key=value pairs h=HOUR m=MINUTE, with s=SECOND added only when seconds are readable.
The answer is h=9 m=6 s=13
